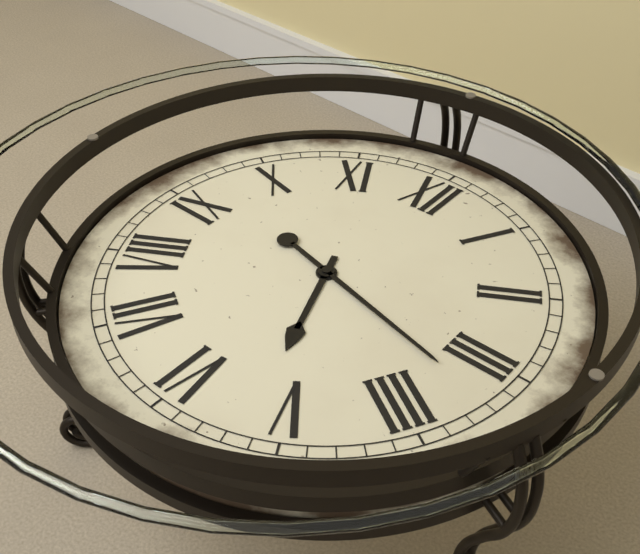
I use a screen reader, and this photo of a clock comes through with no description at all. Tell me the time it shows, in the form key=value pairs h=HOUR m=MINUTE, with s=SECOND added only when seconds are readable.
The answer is h=5 m=17
